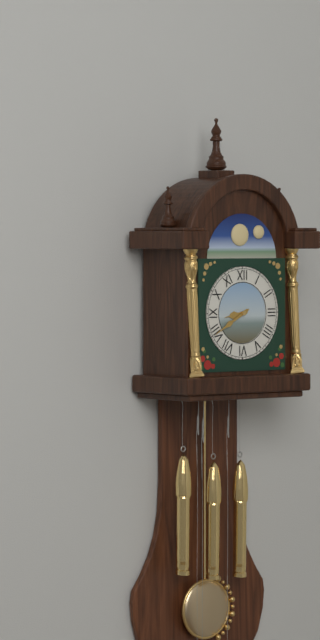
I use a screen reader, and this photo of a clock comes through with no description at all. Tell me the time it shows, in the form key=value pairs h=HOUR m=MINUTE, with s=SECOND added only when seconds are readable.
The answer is h=8 m=40
